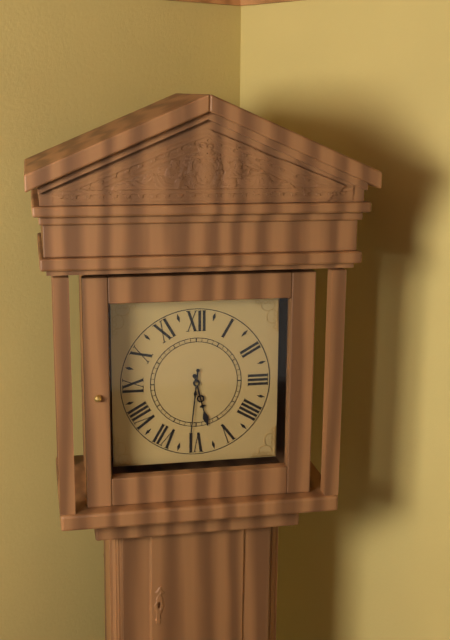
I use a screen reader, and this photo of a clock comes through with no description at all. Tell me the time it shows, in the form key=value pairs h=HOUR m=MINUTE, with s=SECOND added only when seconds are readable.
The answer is h=5 m=31
